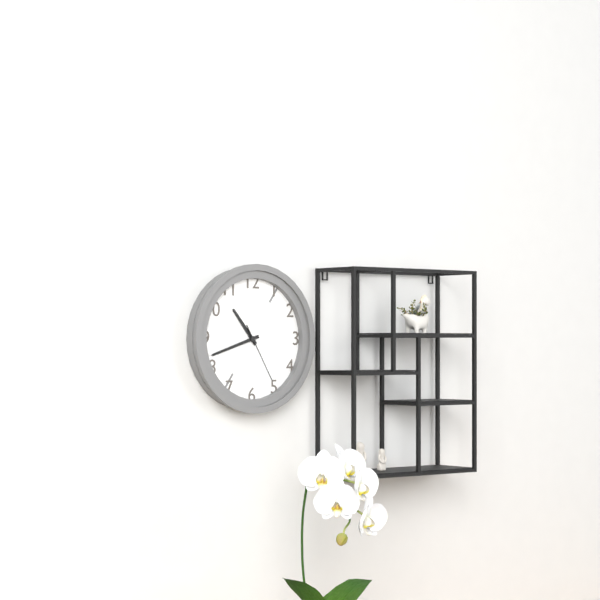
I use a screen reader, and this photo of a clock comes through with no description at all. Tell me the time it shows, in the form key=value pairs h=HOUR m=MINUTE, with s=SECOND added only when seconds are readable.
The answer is h=10 m=42 s=25
